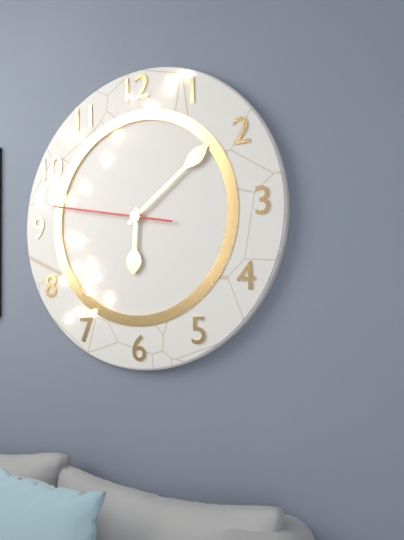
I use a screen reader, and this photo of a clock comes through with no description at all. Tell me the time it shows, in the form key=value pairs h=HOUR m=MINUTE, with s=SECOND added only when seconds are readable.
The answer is h=6 m=9 s=47
